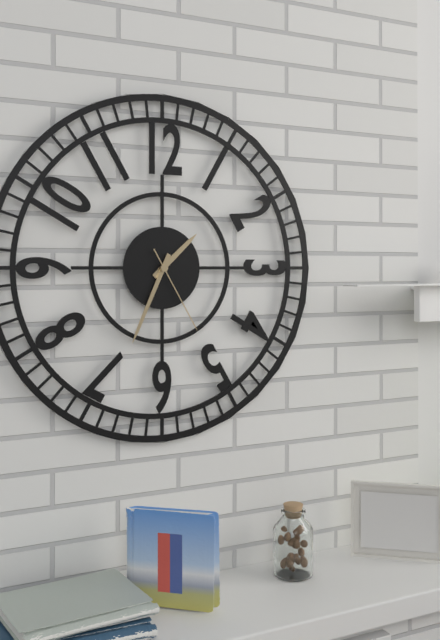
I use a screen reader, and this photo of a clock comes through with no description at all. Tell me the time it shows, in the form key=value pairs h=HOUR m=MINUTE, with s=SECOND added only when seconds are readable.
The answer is h=1 m=34 s=25
